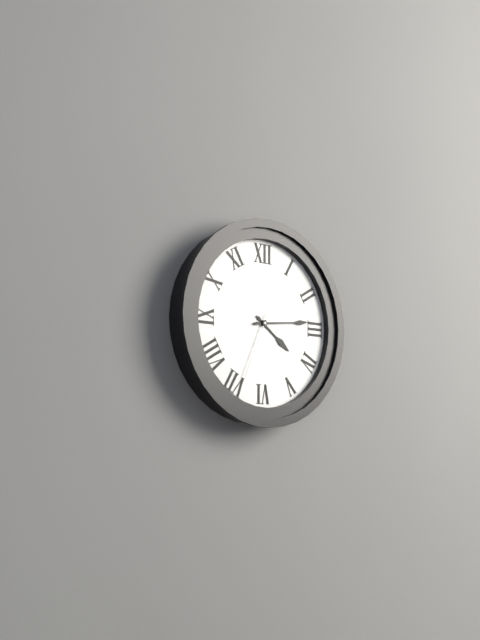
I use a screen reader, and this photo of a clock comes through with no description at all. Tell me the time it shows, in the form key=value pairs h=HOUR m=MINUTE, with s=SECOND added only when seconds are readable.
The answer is h=4 m=14 s=34
